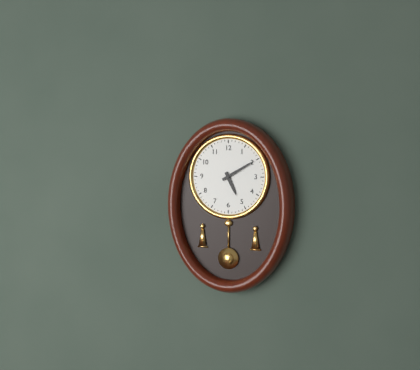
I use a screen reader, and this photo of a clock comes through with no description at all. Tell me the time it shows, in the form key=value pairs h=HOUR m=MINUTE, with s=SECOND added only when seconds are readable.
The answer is h=5 m=10
